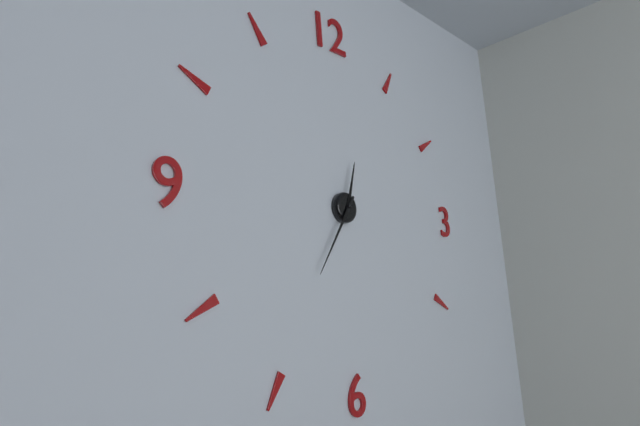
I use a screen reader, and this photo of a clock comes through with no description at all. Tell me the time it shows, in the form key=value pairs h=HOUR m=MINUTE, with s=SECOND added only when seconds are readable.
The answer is h=12 m=36
